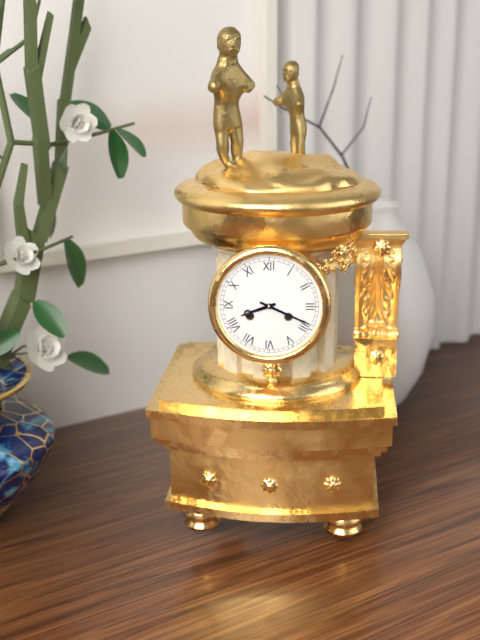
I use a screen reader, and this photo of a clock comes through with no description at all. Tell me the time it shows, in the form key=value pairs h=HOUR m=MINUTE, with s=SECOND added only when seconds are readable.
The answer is h=8 m=19
